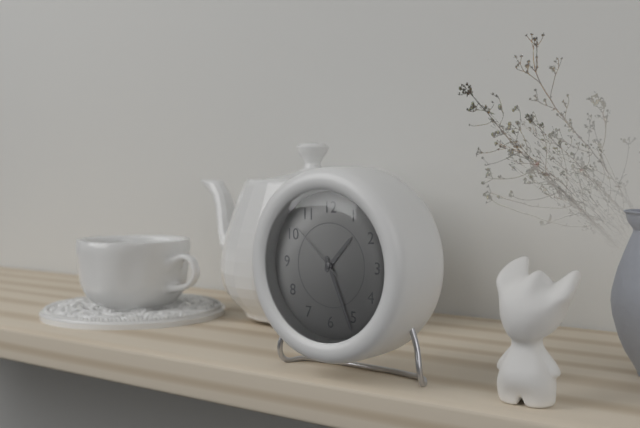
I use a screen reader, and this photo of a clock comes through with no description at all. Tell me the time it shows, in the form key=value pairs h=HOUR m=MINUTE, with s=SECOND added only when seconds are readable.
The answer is h=1 m=26 s=52
